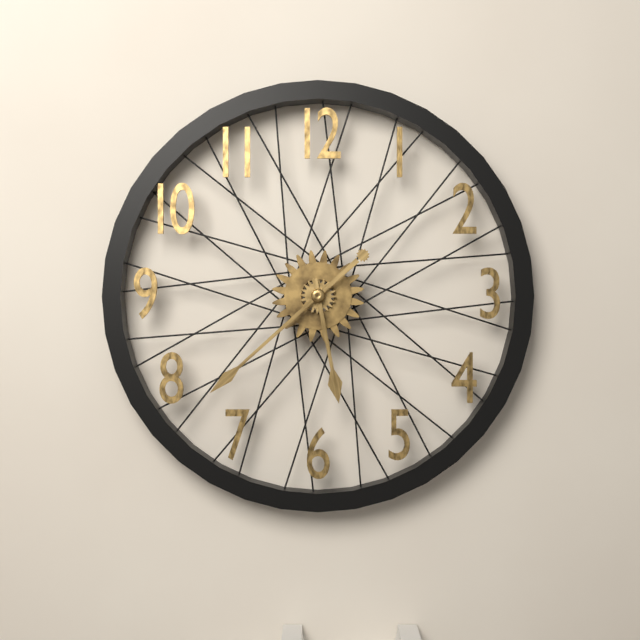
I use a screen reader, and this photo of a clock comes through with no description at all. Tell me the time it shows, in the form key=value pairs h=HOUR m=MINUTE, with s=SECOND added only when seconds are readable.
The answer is h=5 m=38
